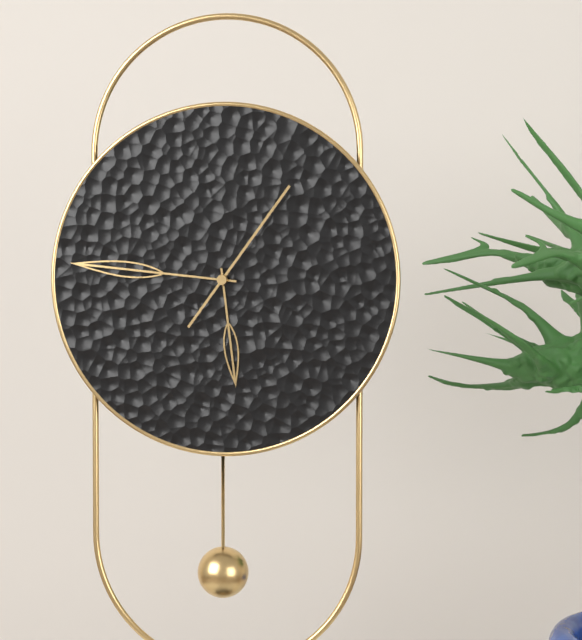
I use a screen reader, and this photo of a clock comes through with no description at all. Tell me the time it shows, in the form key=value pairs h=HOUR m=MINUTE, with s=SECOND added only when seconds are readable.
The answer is h=5 m=46 s=6
